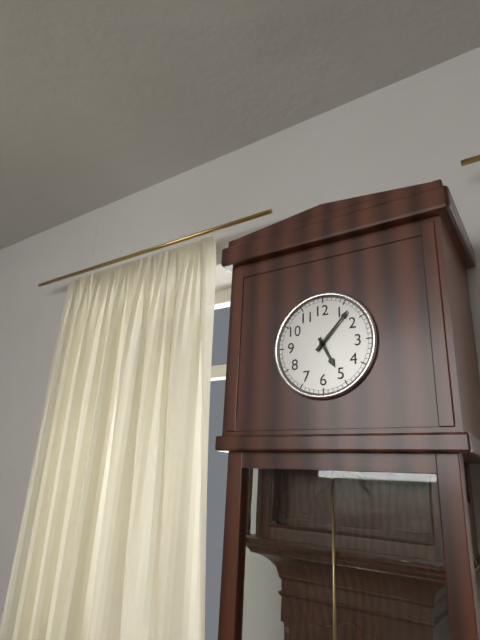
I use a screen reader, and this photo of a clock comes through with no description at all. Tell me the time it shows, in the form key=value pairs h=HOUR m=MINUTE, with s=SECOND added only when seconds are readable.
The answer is h=5 m=7
